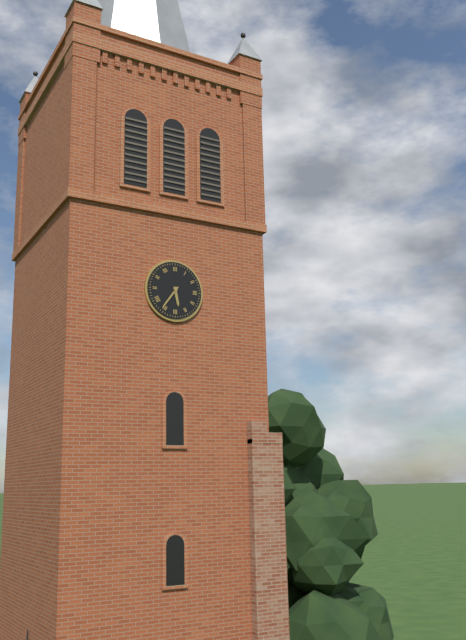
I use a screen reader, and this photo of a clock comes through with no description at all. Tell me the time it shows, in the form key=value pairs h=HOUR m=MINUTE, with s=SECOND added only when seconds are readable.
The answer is h=5 m=36
